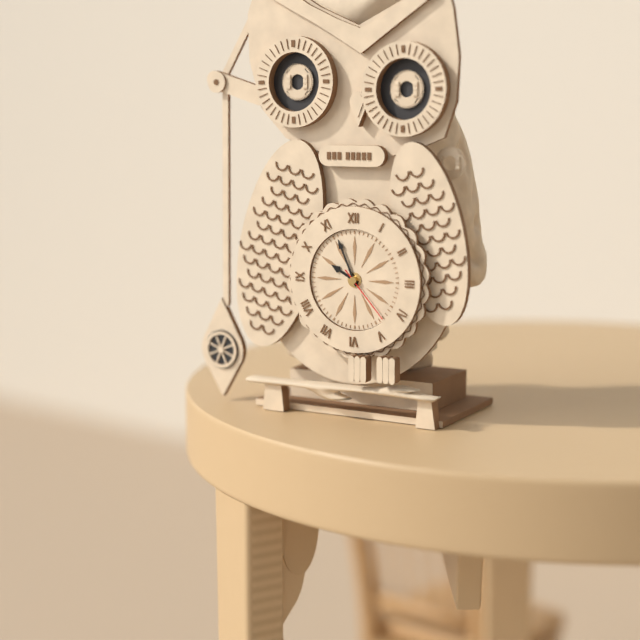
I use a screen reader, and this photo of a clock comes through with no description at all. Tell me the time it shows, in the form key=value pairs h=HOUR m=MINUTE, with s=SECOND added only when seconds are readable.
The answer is h=9 m=56 s=23
